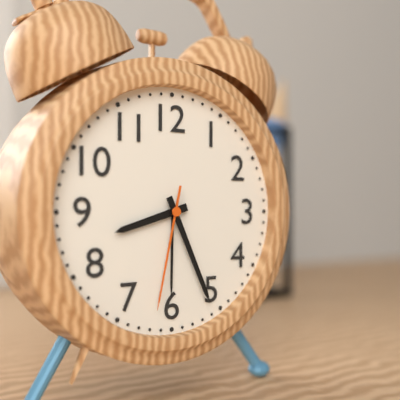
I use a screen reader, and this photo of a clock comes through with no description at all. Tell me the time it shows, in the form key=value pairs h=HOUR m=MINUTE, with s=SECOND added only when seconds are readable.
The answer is h=8 m=26 s=32
